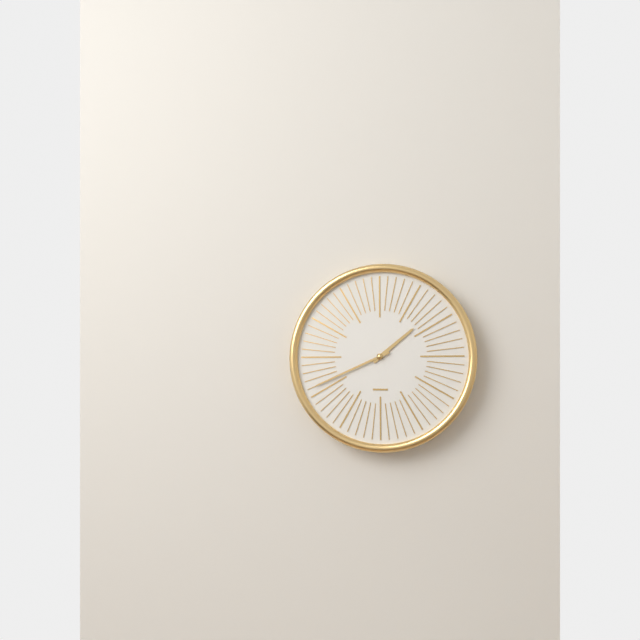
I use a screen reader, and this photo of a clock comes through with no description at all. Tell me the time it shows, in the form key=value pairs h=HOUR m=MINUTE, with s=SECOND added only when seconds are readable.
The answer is h=1 m=41
